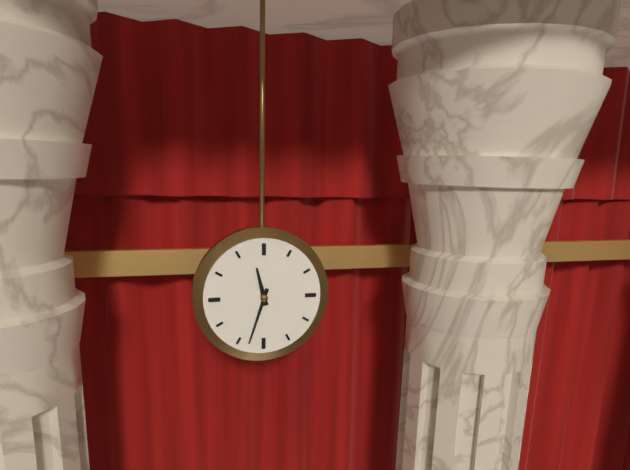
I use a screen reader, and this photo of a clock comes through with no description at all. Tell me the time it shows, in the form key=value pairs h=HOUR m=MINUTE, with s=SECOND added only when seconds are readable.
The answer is h=11 m=33
